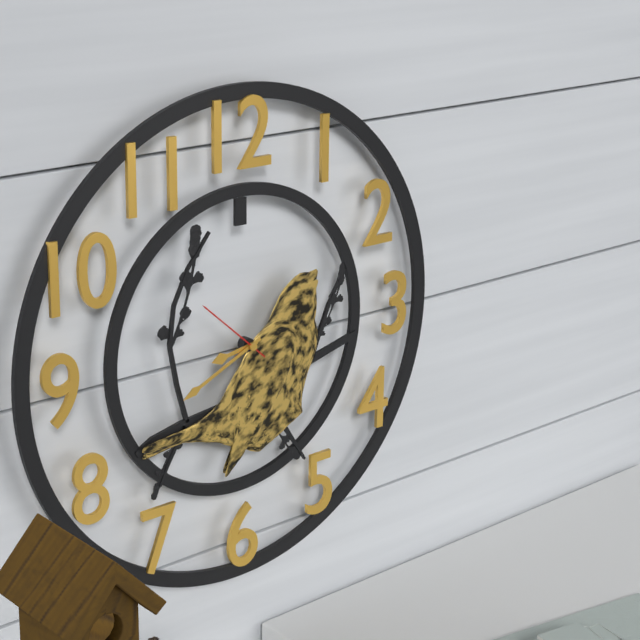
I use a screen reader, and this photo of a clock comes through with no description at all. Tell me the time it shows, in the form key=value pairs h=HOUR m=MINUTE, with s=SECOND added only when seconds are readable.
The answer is h=8 m=41 s=52
